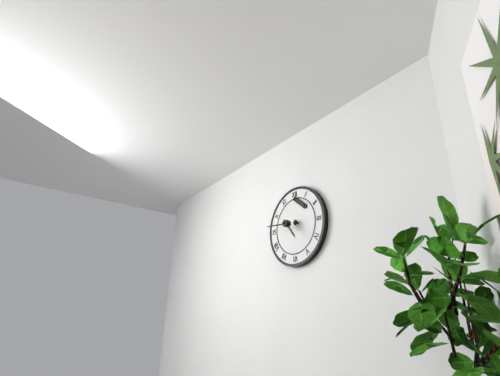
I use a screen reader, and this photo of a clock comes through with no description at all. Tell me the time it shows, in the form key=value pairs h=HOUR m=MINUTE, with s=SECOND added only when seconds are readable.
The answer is h=4 m=46
